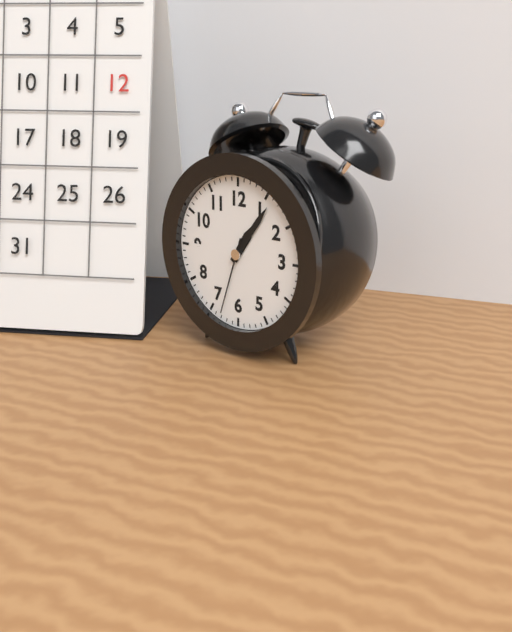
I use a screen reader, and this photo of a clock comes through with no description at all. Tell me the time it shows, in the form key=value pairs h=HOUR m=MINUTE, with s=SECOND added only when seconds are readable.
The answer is h=1 m=6 s=33
